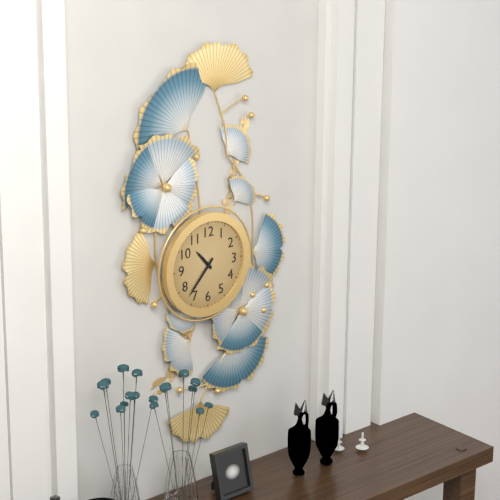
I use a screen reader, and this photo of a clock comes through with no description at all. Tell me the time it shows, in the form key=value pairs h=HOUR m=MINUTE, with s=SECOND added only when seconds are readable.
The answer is h=10 m=37
